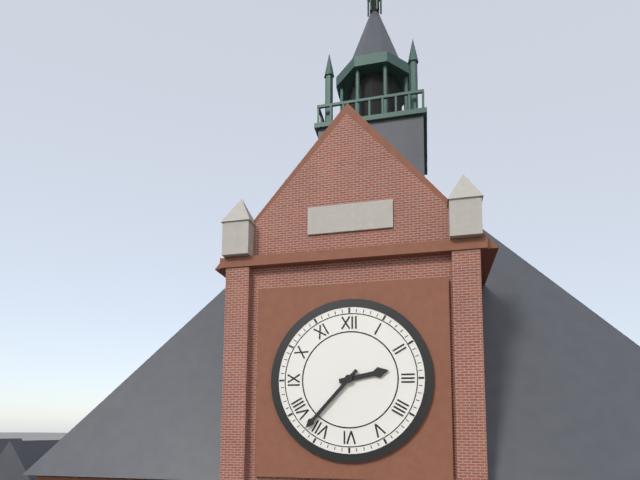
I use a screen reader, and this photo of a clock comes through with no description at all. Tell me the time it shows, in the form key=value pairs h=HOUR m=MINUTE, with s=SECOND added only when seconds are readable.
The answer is h=2 m=37
